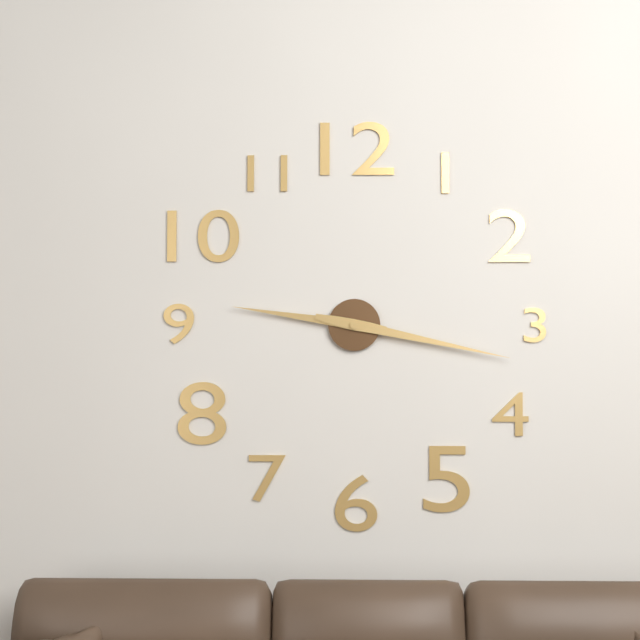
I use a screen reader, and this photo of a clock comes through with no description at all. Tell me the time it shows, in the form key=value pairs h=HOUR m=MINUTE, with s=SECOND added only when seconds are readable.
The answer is h=9 m=17
